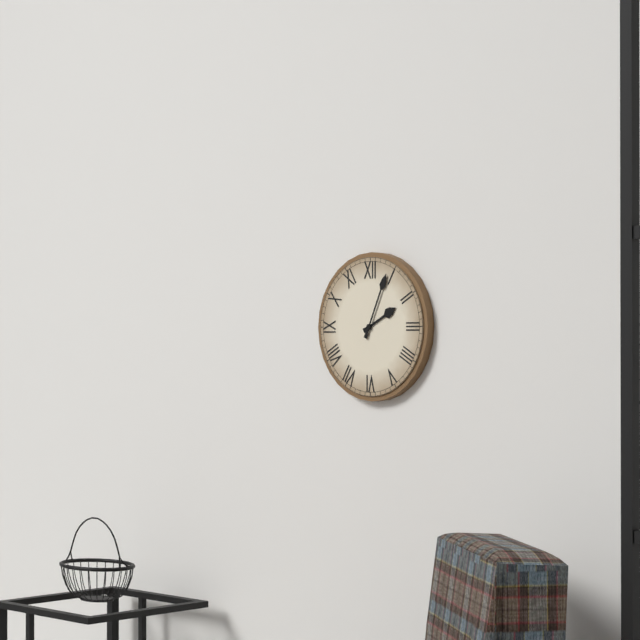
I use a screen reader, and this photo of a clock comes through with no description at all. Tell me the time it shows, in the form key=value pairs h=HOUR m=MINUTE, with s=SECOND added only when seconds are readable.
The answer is h=2 m=4
